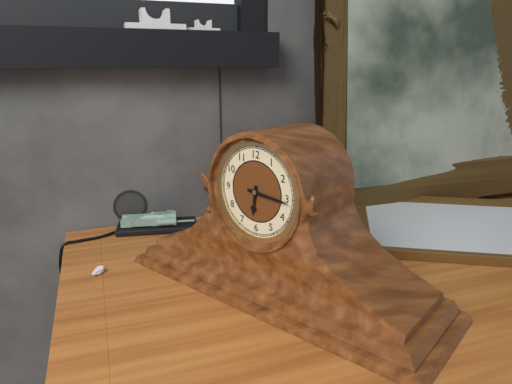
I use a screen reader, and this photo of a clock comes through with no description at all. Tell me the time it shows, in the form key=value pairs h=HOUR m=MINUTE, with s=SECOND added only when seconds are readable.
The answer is h=6 m=16
